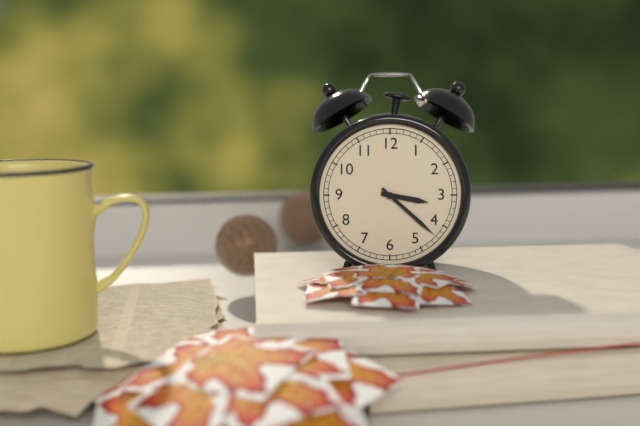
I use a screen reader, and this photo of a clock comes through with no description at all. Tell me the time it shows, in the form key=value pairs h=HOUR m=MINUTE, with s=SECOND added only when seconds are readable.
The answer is h=3 m=22
